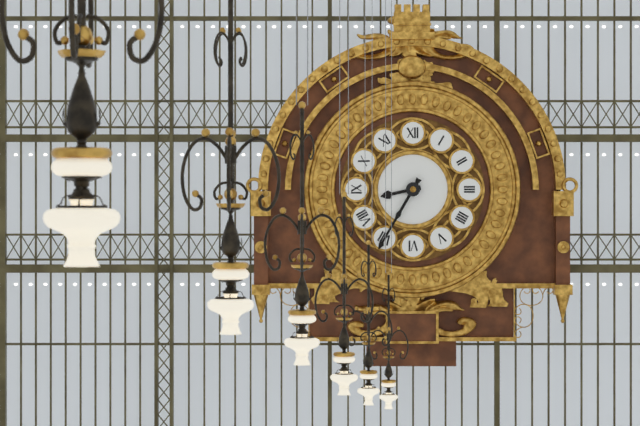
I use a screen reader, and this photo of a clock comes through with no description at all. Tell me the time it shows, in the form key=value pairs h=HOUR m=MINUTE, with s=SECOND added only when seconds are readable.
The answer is h=8 m=35
